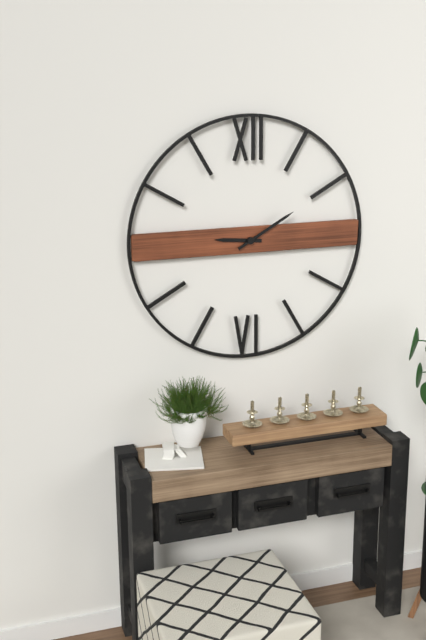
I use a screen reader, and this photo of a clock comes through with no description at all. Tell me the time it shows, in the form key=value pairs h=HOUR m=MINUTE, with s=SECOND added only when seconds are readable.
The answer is h=9 m=10
